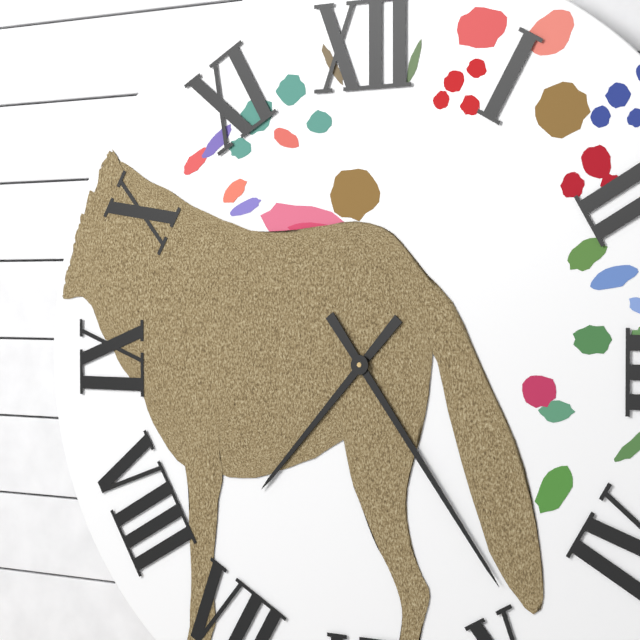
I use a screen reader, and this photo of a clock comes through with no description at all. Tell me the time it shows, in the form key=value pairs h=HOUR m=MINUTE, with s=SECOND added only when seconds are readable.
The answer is h=7 m=24
